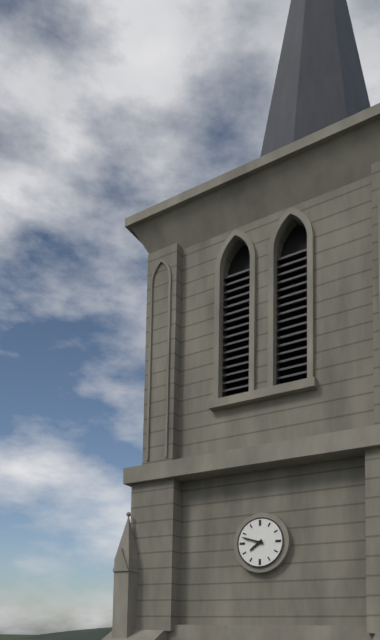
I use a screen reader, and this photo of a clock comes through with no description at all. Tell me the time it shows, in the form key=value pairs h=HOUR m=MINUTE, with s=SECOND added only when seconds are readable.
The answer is h=7 m=48
